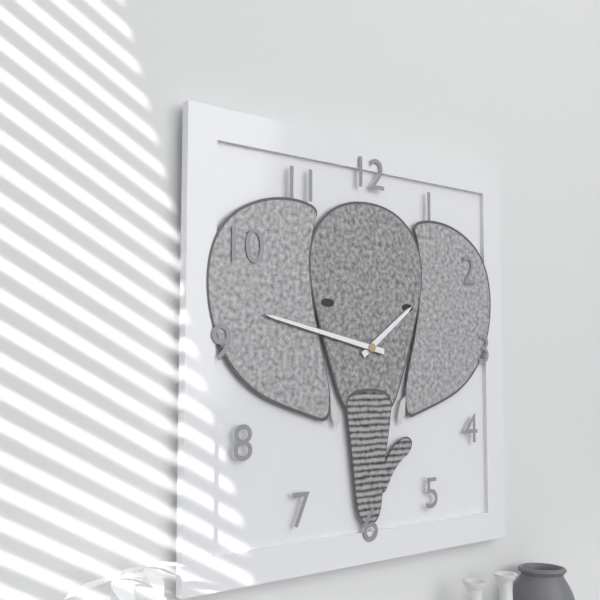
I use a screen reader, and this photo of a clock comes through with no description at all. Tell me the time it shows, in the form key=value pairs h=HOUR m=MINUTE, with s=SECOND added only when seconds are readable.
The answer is h=1 m=47
